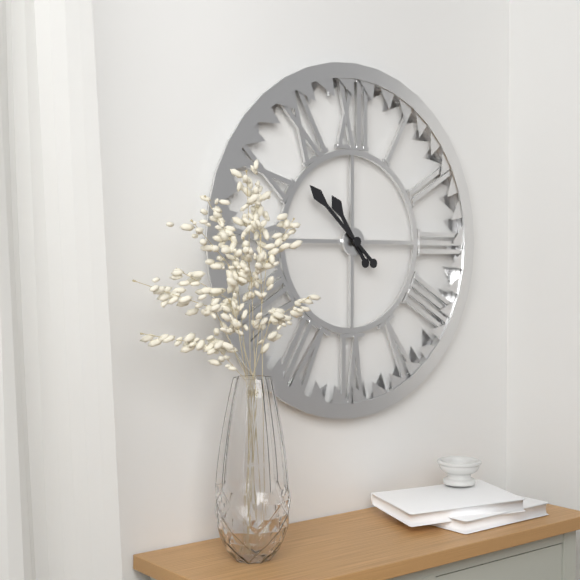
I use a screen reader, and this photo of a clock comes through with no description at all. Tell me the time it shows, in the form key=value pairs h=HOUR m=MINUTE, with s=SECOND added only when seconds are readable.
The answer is h=10 m=52
